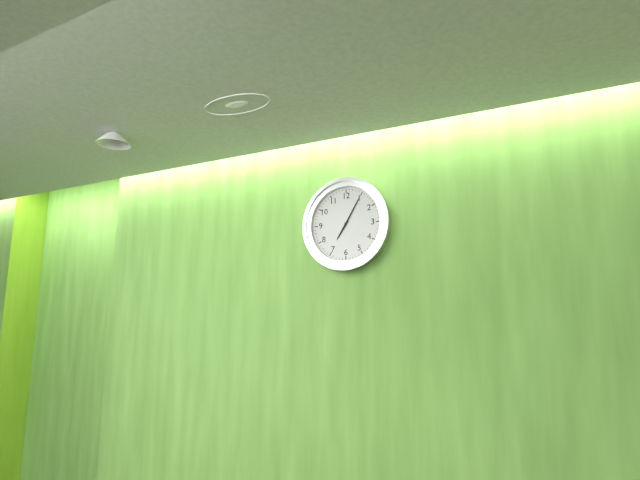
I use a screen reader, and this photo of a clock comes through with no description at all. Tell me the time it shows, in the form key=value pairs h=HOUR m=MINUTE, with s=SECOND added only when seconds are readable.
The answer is h=7 m=5
